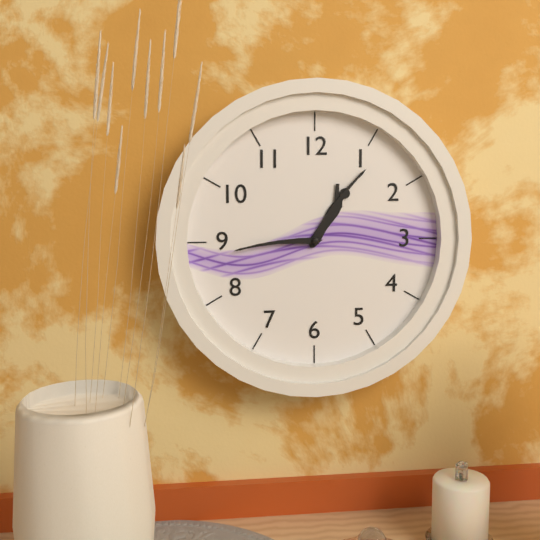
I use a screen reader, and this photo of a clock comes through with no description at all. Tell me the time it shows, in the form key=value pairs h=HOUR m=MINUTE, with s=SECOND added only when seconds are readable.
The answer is h=1 m=6 s=44
